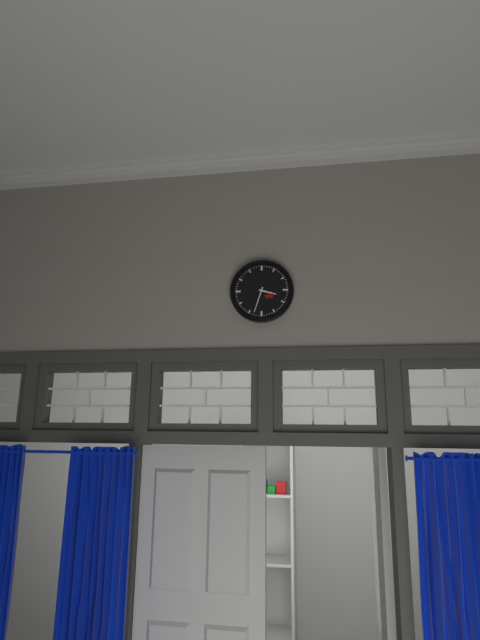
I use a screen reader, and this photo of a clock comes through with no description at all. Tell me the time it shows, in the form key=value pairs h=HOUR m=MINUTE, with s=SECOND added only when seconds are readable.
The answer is h=3 m=33
